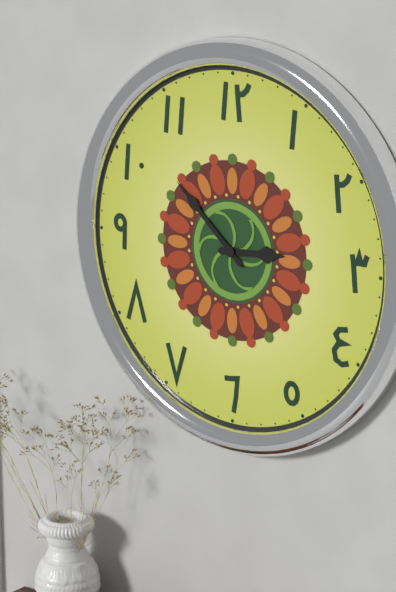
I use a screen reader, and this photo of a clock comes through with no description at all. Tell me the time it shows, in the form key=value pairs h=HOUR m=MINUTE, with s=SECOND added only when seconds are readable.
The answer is h=2 m=52
